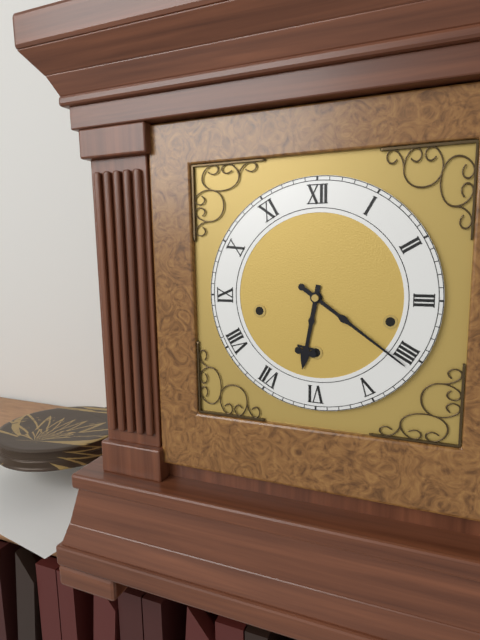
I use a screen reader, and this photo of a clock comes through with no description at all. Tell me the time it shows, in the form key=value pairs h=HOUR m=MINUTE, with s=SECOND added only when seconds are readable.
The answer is h=6 m=21
